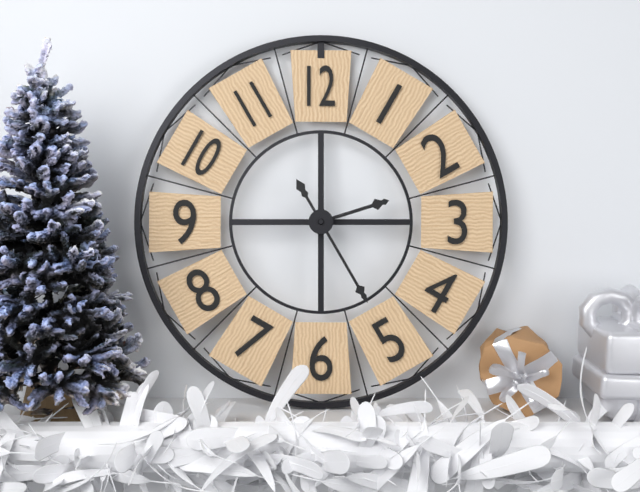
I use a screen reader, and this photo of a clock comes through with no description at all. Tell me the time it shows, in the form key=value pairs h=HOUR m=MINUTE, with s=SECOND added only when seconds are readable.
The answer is h=2 m=25
